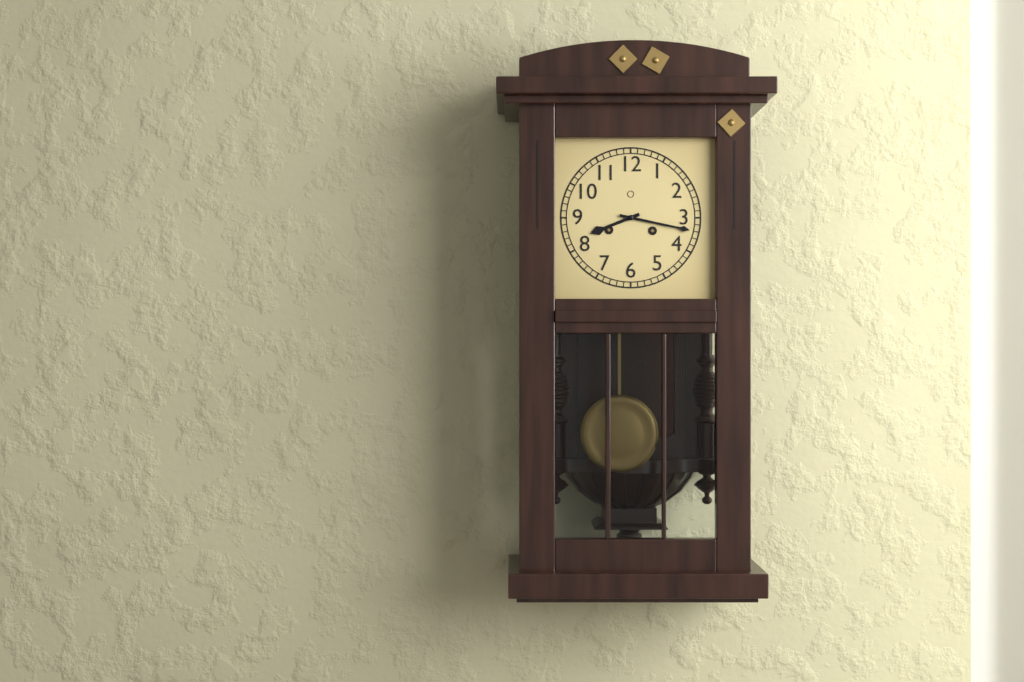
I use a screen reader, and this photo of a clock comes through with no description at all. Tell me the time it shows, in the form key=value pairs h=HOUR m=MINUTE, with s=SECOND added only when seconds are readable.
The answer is h=8 m=17
